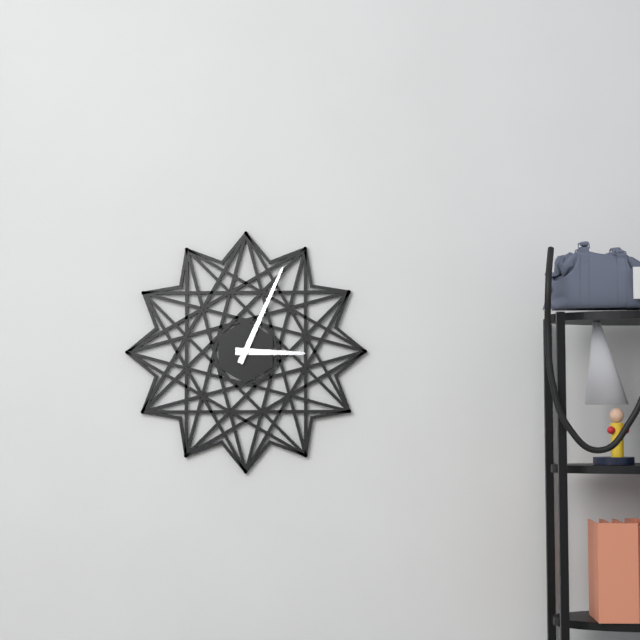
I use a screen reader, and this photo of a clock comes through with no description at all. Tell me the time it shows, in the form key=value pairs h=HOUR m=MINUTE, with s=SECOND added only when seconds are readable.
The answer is h=3 m=4
